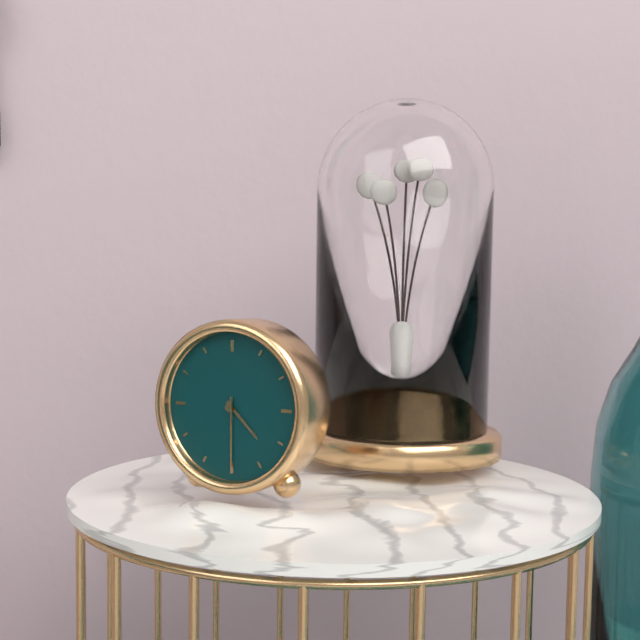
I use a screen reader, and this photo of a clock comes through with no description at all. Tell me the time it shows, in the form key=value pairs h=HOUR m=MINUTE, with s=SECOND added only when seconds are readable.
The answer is h=4 m=30
